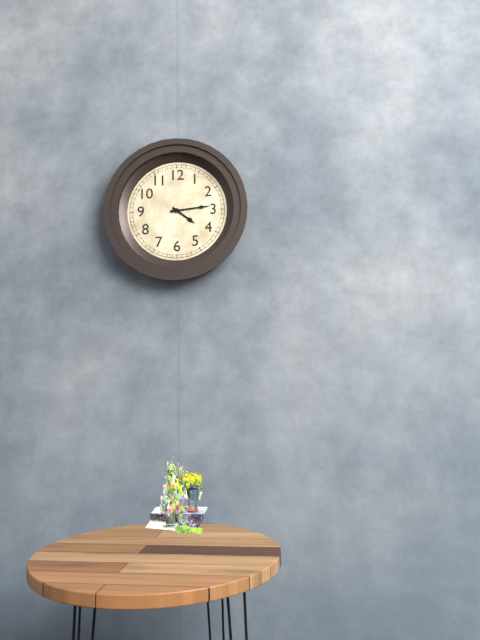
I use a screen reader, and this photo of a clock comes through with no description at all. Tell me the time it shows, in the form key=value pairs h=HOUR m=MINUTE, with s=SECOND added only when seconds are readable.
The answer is h=4 m=14
